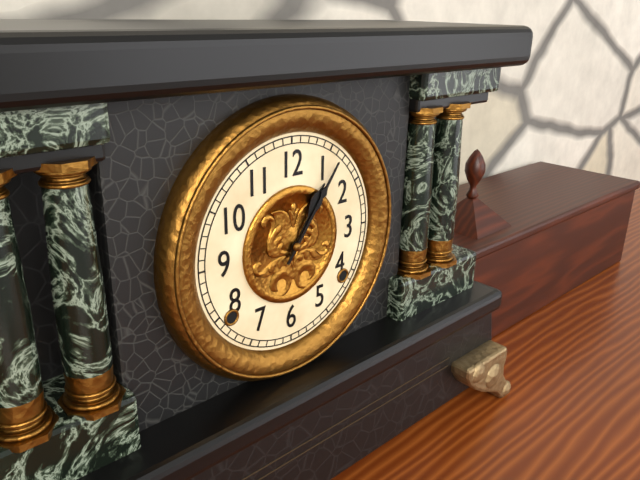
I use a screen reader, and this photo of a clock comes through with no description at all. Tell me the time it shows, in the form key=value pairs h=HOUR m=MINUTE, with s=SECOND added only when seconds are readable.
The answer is h=1 m=6
